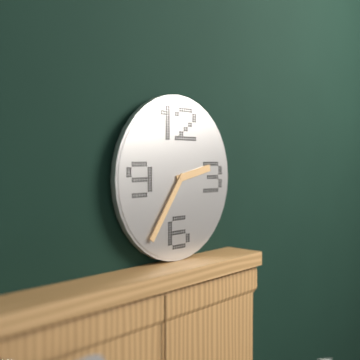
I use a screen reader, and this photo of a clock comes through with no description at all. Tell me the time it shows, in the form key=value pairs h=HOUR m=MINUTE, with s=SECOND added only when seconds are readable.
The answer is h=2 m=36
